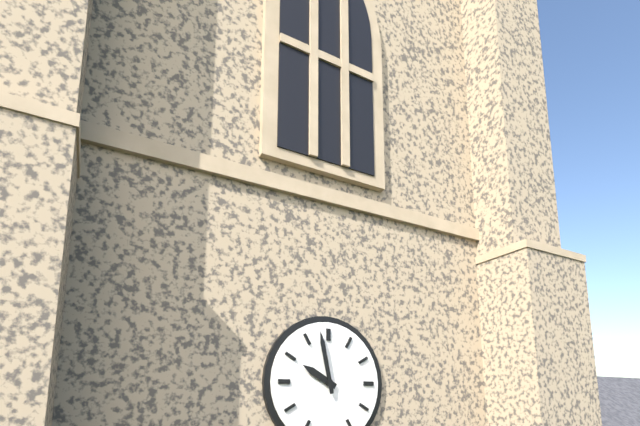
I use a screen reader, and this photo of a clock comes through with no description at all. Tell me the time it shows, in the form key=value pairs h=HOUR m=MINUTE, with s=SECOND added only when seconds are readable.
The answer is h=9 m=58
